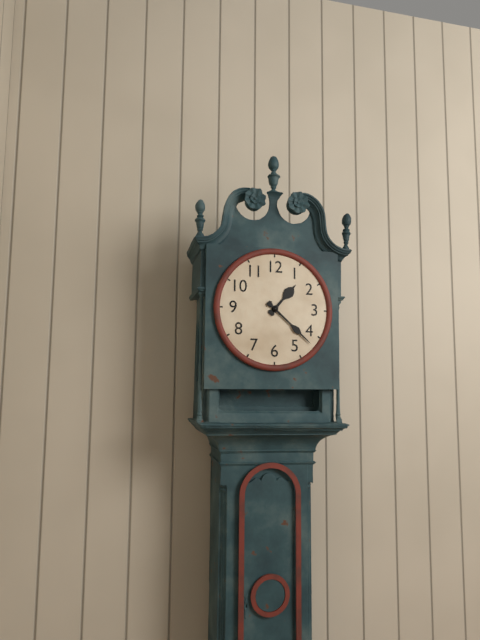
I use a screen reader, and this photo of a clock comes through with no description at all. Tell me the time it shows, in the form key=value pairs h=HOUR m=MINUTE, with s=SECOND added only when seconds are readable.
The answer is h=1 m=22
